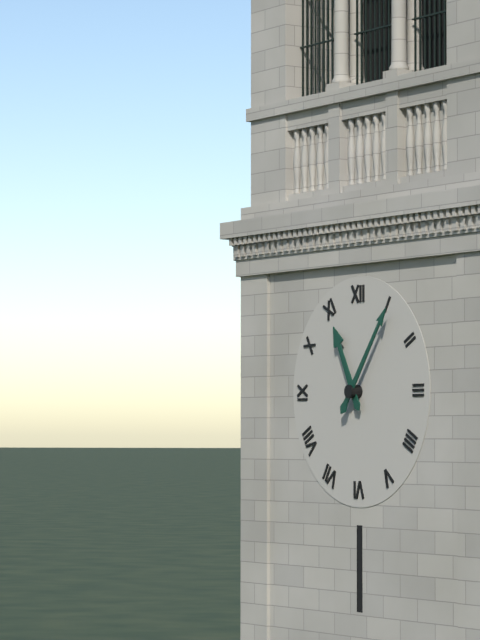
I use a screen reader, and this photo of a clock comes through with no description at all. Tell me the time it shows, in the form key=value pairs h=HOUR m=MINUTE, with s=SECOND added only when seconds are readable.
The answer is h=11 m=6
